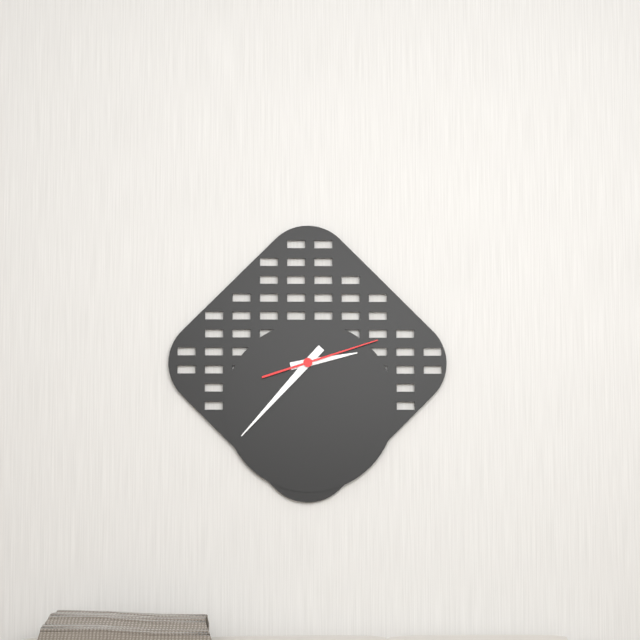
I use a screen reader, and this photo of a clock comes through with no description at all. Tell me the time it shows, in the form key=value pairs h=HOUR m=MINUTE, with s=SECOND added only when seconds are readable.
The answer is h=2 m=37 s=12
